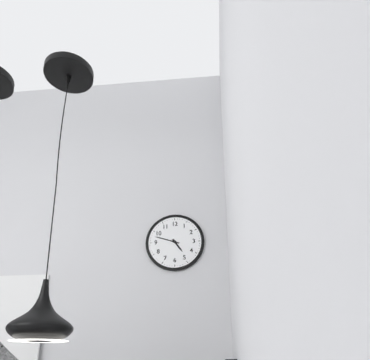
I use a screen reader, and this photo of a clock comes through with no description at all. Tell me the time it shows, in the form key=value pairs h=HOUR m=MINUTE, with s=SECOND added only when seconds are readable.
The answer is h=4 m=48
